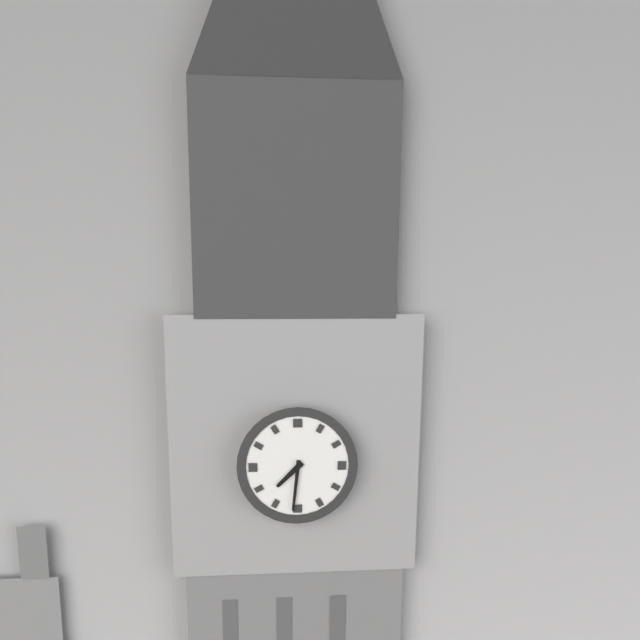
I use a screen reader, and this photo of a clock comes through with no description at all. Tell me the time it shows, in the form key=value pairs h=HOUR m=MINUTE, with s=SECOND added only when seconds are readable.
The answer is h=7 m=31
